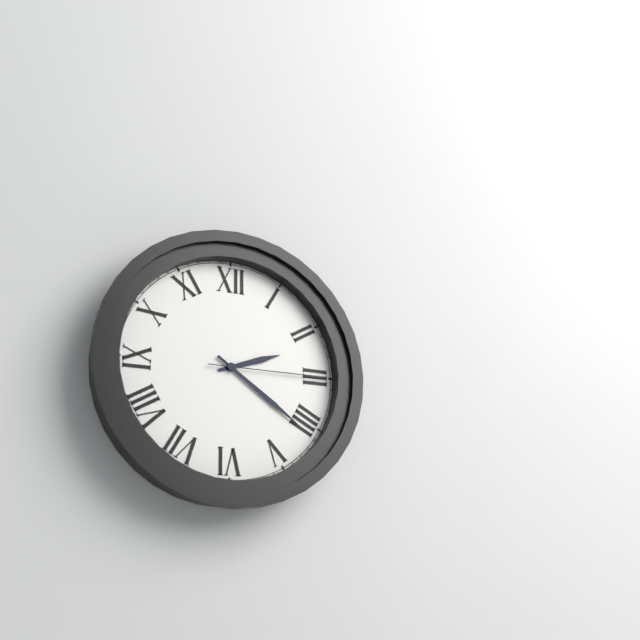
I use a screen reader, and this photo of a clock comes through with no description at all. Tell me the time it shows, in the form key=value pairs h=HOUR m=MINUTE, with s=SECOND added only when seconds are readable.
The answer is h=2 m=21 s=15
